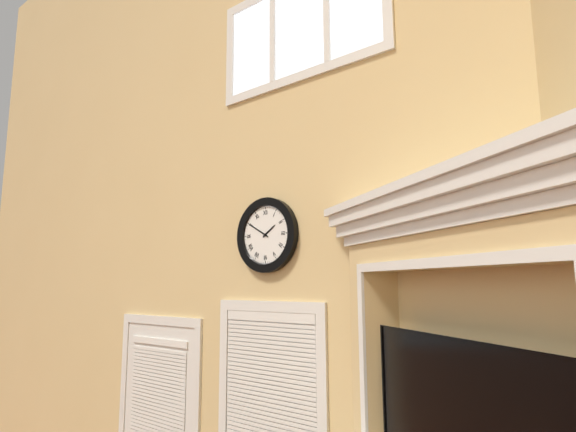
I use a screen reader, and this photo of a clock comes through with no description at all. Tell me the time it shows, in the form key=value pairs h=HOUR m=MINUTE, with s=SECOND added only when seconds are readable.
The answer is h=1 m=50
